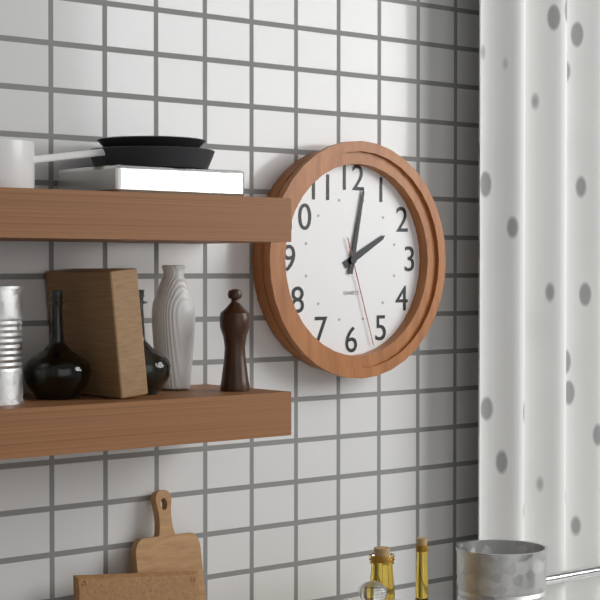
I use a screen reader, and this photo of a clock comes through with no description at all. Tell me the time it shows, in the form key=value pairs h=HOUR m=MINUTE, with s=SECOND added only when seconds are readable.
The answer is h=2 m=2 s=27
